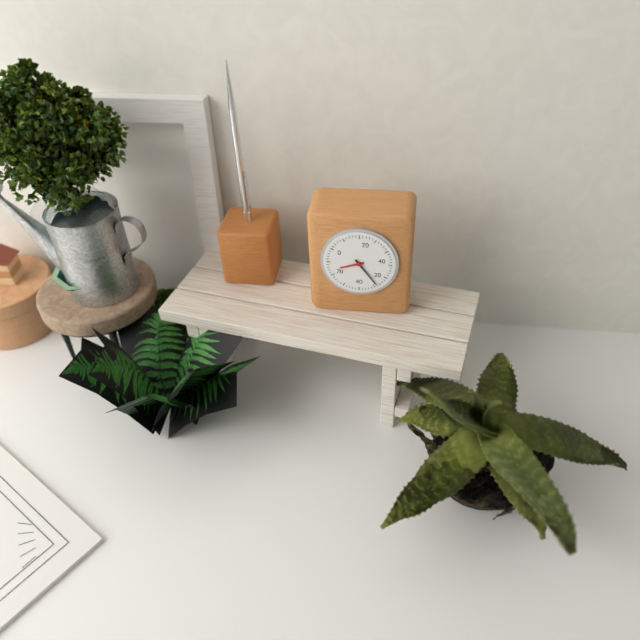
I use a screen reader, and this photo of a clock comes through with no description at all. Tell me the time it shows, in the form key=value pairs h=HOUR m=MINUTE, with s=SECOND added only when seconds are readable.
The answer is h=8 m=24
